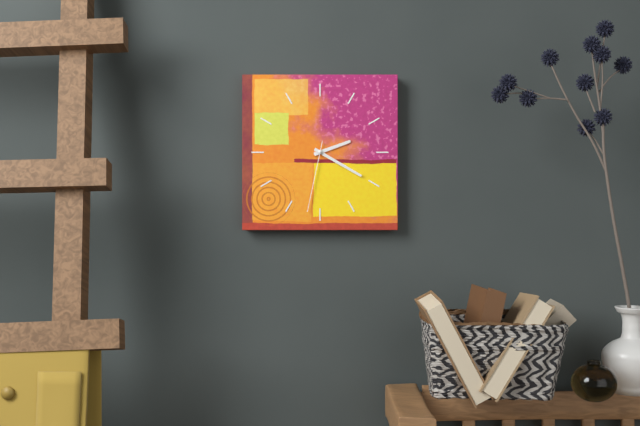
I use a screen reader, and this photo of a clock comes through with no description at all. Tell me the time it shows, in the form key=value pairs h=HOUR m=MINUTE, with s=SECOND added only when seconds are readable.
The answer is h=2 m=20 s=32
